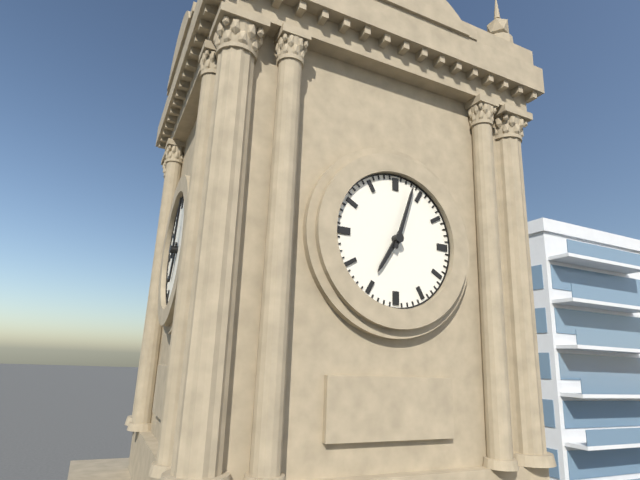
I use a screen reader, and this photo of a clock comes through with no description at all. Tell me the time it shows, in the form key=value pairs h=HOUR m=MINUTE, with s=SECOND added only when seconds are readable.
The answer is h=7 m=3
